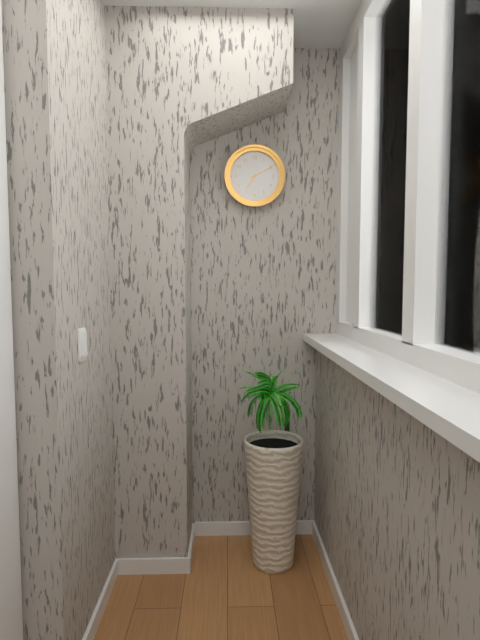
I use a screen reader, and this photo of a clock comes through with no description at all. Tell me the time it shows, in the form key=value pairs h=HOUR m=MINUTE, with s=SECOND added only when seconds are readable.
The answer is h=7 m=10
